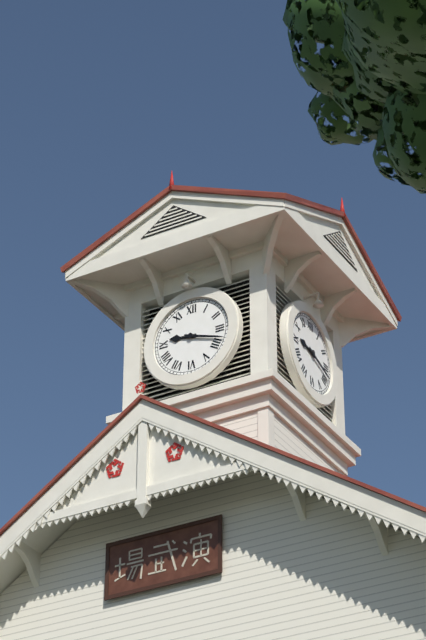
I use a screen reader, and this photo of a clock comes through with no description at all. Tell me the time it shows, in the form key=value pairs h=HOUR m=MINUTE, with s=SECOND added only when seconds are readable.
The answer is h=9 m=18
